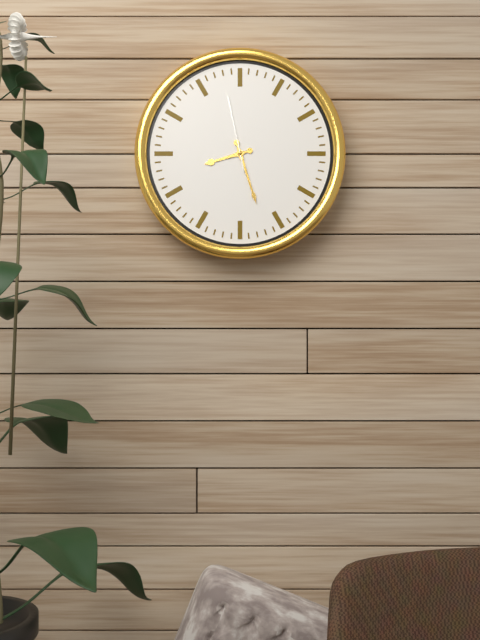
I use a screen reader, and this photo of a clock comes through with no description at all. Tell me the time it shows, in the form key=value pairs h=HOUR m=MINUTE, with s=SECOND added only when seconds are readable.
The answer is h=8 m=27 s=58
